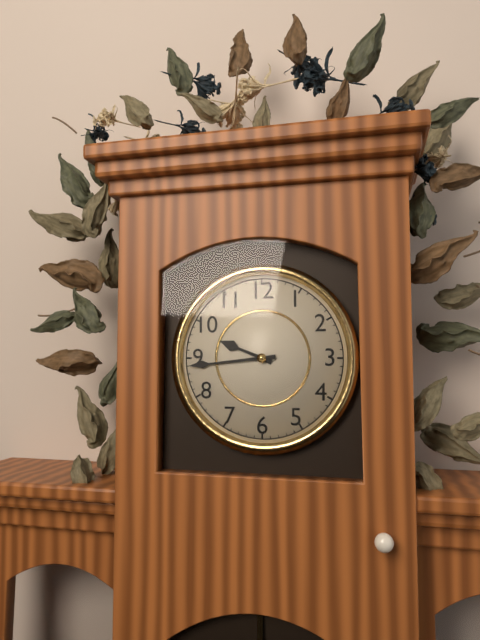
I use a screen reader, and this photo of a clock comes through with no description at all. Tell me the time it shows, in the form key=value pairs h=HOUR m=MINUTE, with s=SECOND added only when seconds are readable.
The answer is h=9 m=44
